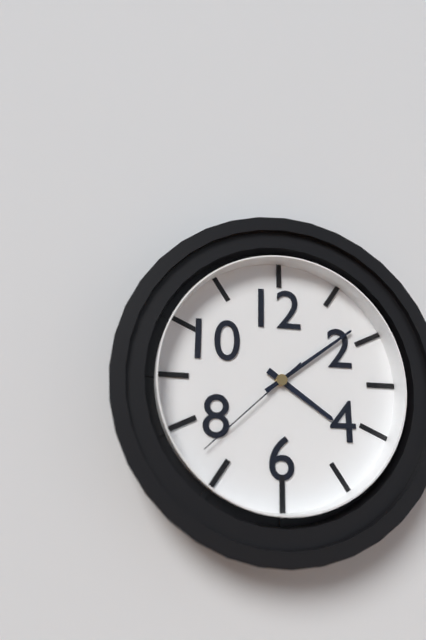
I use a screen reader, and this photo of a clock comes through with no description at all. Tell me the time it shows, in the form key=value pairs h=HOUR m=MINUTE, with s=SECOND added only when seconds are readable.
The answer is h=4 m=9 s=38
